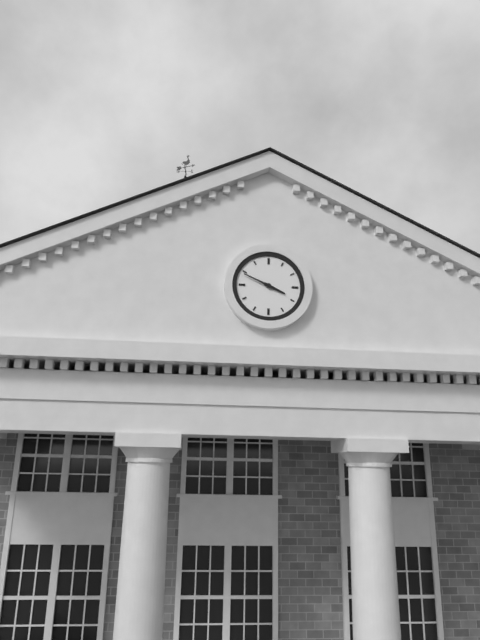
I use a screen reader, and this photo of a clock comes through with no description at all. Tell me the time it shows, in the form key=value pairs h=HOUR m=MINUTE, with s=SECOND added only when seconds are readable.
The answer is h=3 m=49
